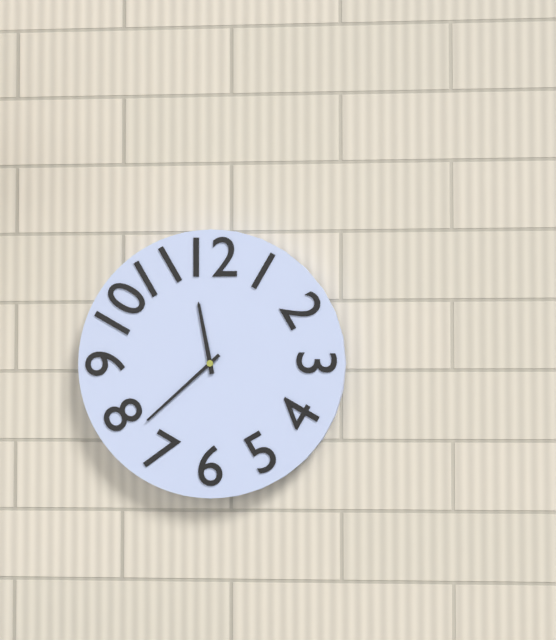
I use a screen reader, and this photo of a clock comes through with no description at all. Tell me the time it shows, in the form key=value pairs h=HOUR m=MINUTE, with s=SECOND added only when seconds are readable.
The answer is h=11 m=38
